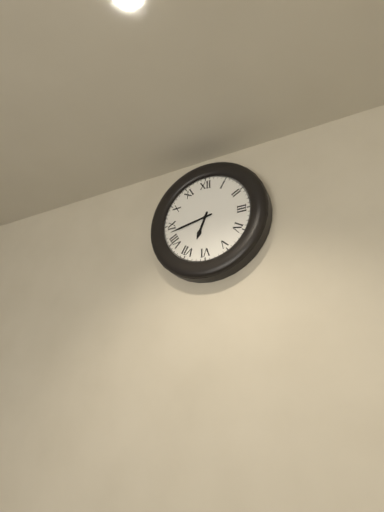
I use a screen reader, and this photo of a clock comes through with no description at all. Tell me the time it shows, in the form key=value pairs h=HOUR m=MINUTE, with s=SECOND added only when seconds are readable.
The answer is h=6 m=43
